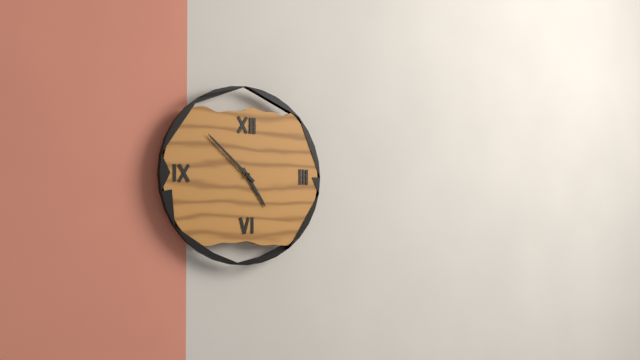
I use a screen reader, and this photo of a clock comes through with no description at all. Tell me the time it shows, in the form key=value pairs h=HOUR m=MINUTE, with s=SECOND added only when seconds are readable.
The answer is h=4 m=52
